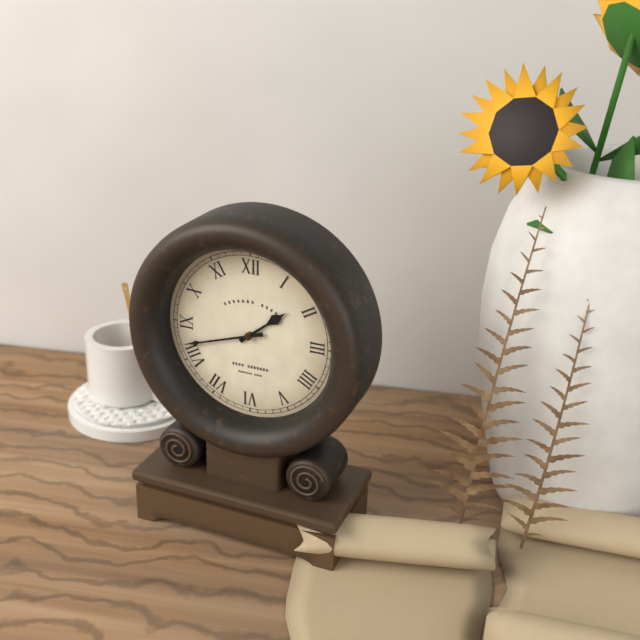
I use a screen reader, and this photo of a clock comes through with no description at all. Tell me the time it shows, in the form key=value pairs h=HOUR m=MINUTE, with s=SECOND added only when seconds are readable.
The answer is h=1 m=42
